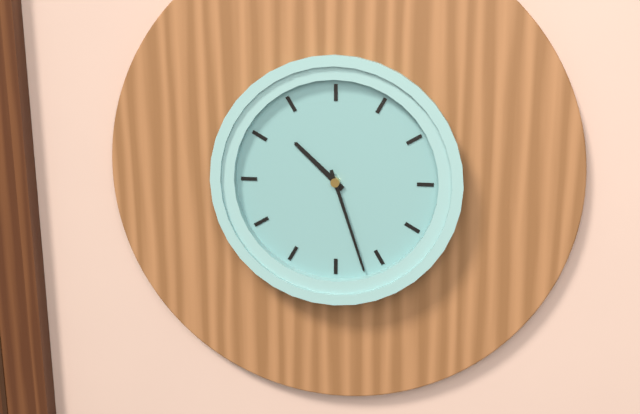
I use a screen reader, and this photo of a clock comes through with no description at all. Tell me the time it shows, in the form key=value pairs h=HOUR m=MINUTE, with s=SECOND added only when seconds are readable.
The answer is h=10 m=27
